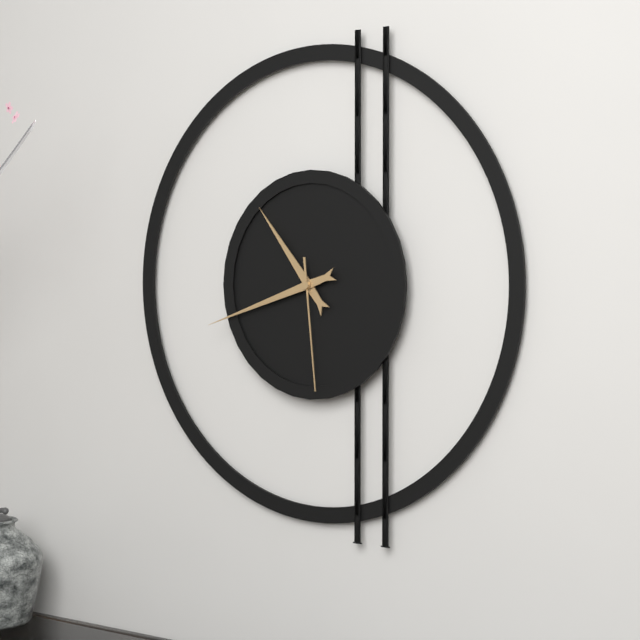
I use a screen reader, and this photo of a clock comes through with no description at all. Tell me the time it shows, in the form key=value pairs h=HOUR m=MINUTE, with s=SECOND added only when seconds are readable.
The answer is h=10 m=42 s=29
